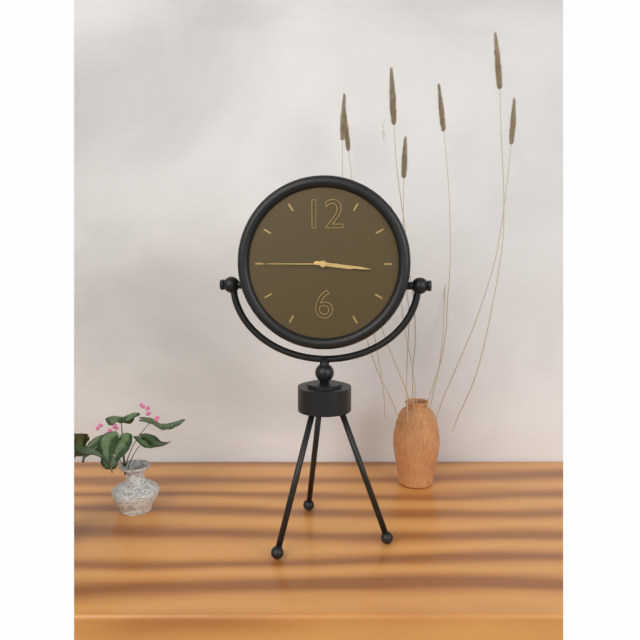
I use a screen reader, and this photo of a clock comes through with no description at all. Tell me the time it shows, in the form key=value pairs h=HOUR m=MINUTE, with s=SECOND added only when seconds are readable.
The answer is h=3 m=16 s=45
